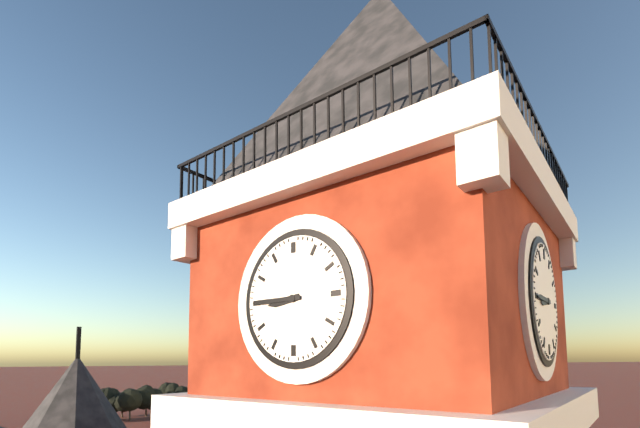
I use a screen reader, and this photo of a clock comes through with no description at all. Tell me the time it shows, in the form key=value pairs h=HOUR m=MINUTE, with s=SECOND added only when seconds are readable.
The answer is h=8 m=45
